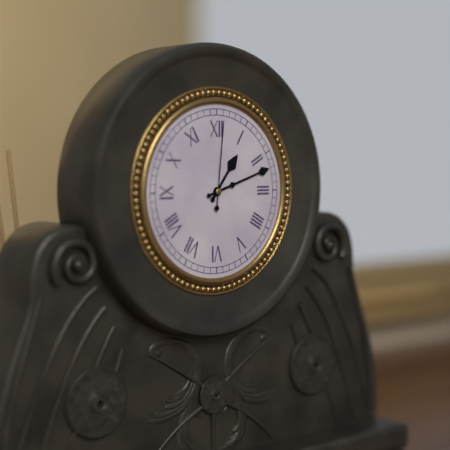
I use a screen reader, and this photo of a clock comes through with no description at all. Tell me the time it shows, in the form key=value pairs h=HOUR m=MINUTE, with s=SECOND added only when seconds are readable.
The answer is h=1 m=12 s=1
